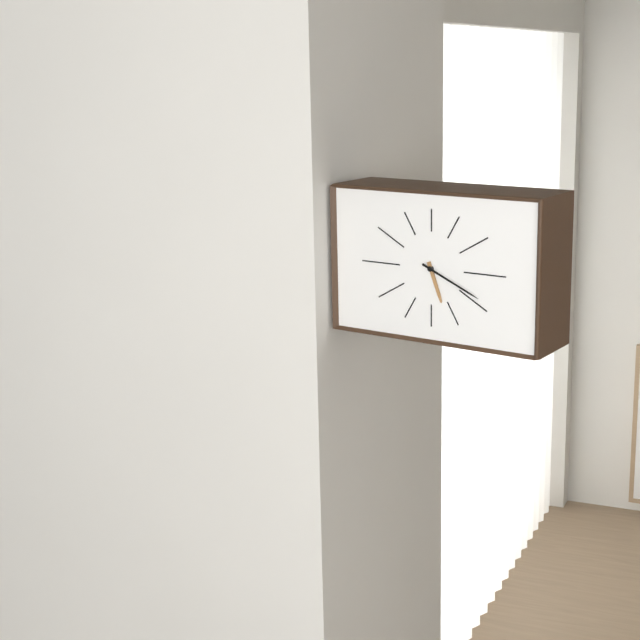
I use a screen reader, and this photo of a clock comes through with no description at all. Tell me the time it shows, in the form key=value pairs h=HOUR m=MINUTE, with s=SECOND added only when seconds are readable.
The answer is h=5 m=19
